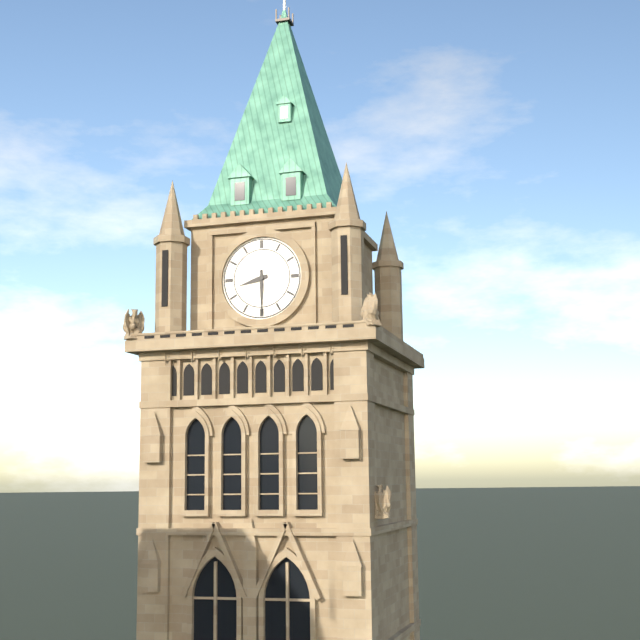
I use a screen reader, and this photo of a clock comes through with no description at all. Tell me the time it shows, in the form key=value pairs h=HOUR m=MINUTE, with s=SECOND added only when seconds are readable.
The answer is h=8 m=30
